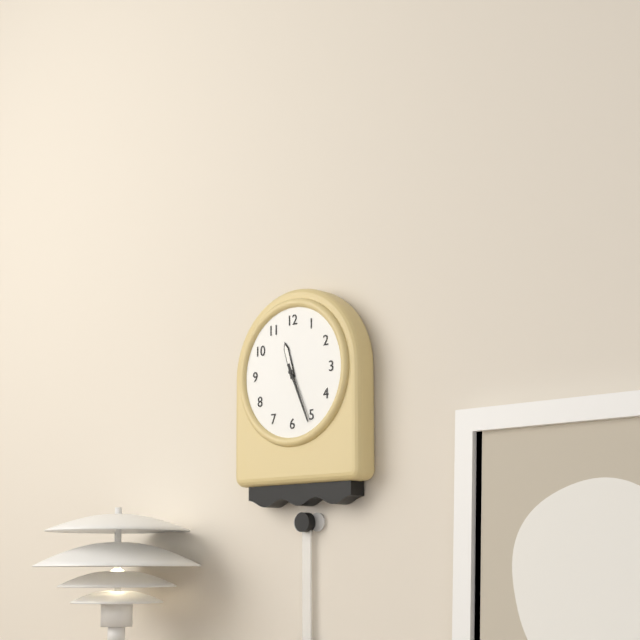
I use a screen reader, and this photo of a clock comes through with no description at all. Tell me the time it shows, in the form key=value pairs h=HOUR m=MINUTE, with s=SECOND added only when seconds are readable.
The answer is h=11 m=26
